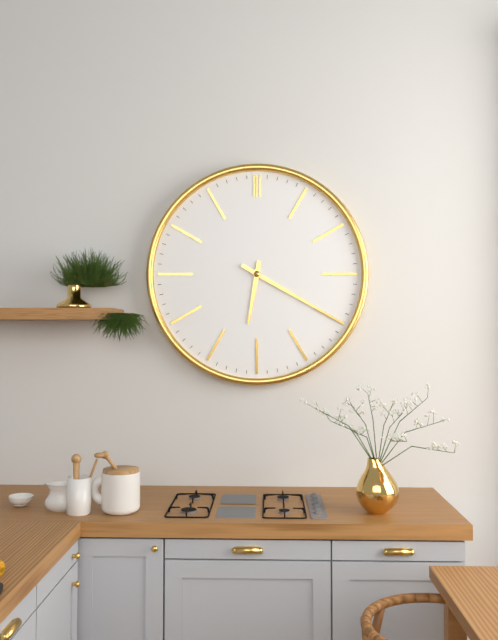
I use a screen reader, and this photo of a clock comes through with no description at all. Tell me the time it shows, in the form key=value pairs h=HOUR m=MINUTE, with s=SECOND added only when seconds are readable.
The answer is h=6 m=20
